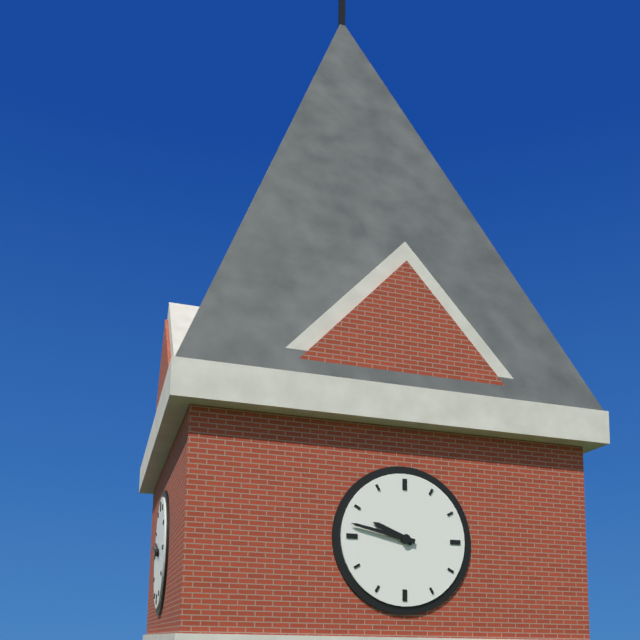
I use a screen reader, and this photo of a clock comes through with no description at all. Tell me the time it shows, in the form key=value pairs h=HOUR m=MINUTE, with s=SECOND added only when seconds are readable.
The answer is h=9 m=47
